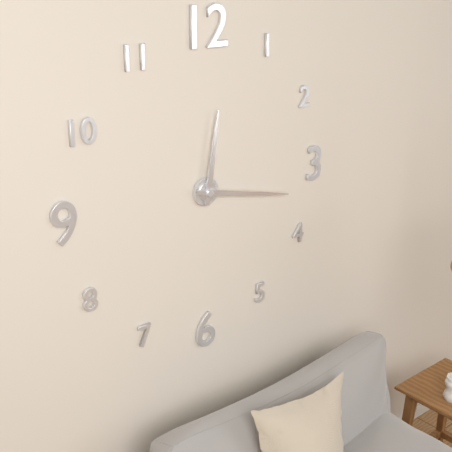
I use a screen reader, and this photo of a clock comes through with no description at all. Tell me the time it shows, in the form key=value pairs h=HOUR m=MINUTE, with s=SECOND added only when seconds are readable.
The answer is h=12 m=17
